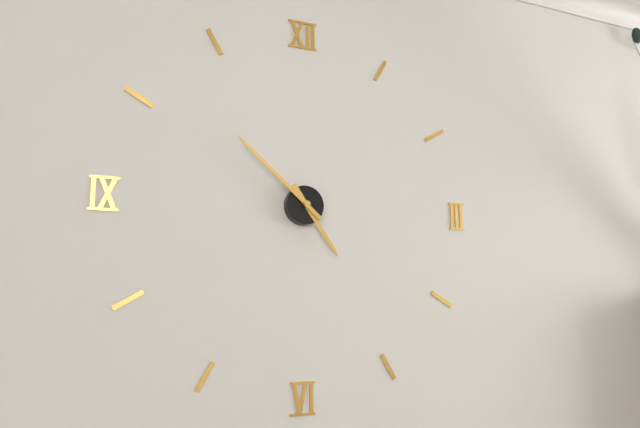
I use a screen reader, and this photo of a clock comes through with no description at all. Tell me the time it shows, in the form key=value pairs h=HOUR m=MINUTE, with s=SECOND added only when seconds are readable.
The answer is h=4 m=52
